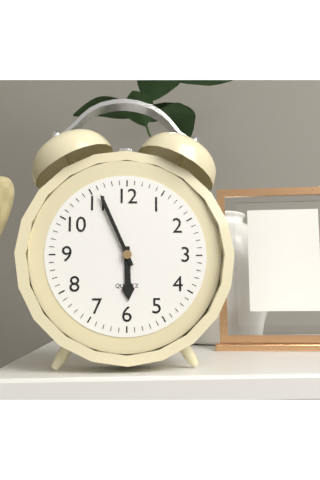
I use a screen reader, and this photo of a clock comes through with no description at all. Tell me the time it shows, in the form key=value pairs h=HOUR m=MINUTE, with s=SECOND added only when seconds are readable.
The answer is h=5 m=56
